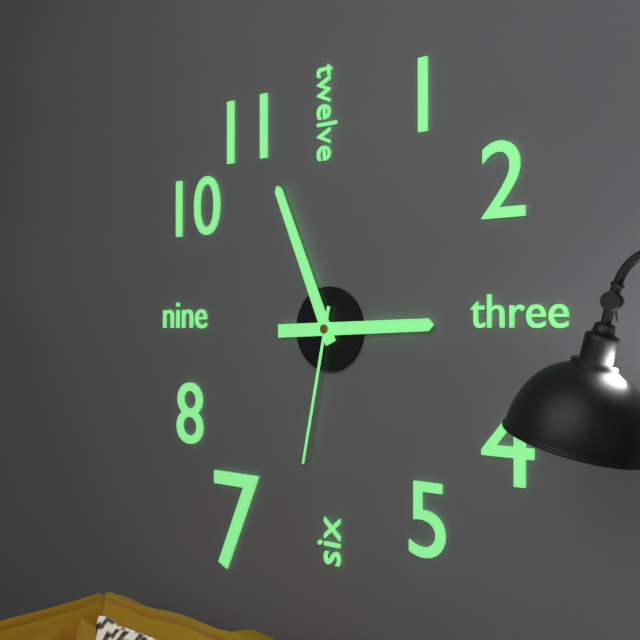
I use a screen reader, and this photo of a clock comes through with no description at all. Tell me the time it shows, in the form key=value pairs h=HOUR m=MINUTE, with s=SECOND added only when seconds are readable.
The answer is h=2 m=56 s=32
